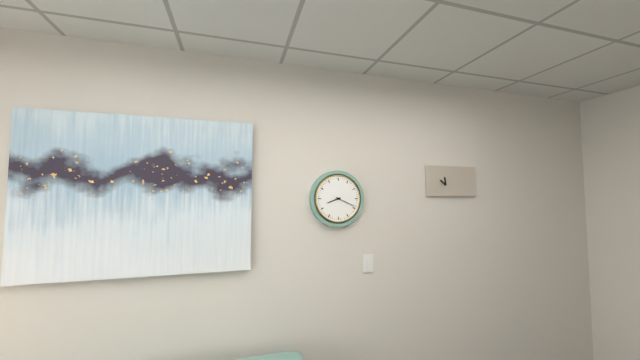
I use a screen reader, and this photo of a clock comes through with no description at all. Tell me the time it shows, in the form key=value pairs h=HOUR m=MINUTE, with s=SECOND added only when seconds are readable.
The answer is h=8 m=19
